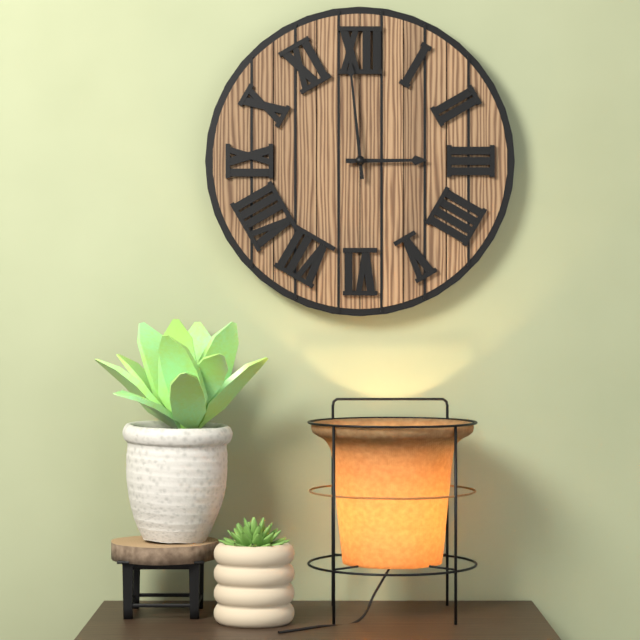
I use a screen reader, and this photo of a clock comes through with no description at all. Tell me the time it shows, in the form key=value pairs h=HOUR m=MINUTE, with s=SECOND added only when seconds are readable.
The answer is h=2 m=59
